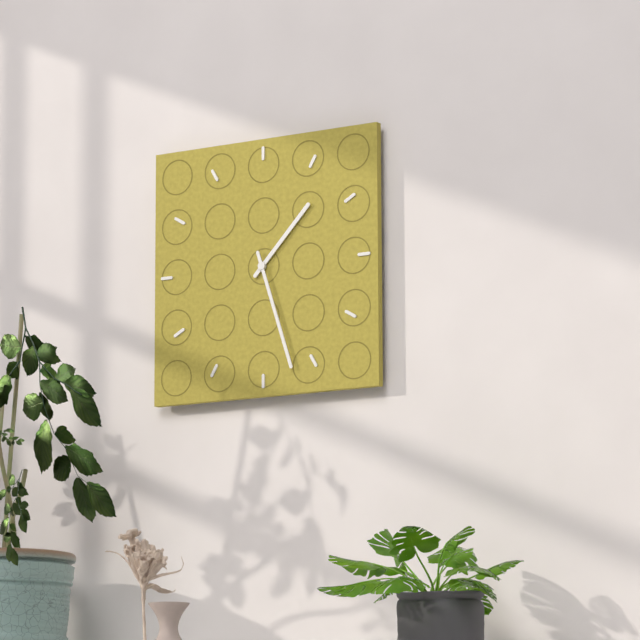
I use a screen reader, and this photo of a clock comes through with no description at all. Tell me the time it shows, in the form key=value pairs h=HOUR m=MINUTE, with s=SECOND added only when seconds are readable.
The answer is h=1 m=27
